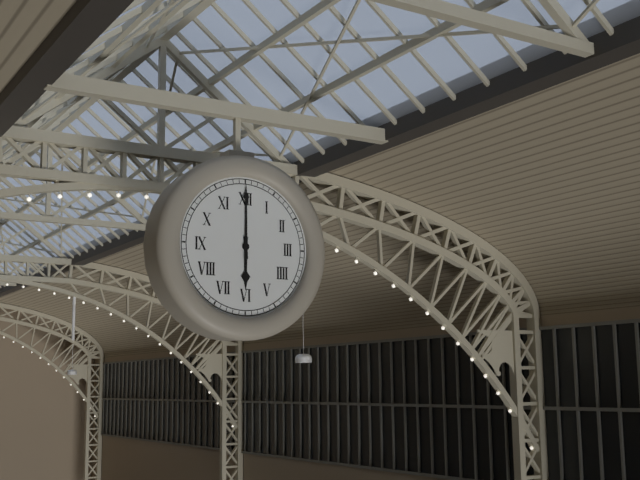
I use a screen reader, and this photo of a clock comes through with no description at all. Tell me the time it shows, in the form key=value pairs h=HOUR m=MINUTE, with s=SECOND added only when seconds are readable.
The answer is h=6 m=0
